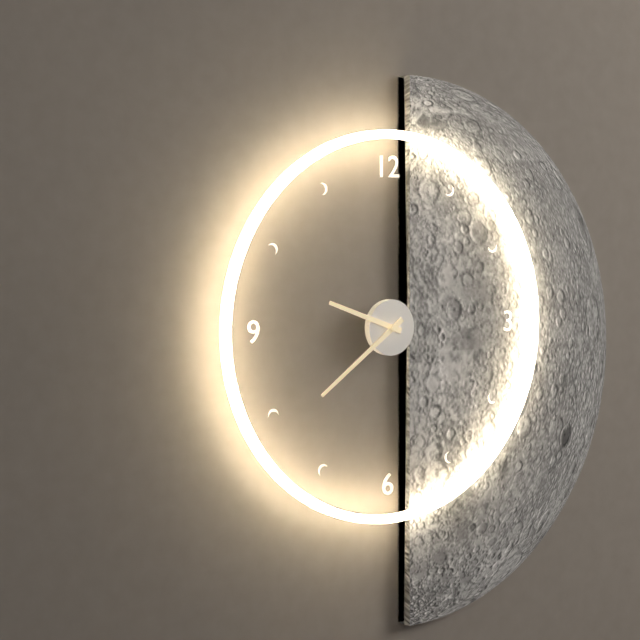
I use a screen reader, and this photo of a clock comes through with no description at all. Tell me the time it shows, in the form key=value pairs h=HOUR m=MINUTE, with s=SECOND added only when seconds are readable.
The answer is h=9 m=39
